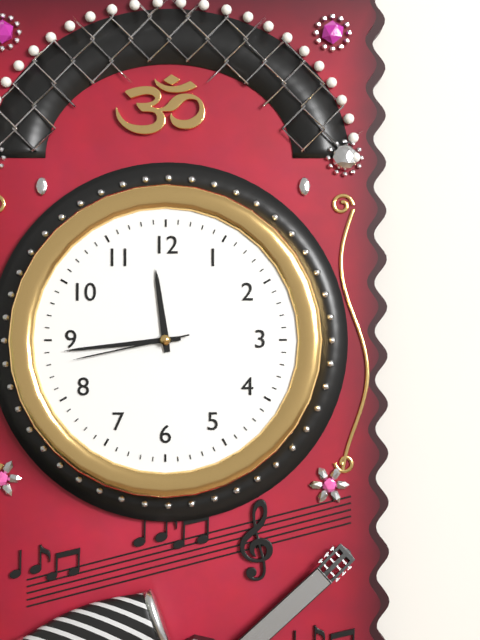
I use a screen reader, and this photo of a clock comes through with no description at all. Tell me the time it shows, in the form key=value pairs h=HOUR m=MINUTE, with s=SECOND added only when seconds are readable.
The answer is h=11 m=44 s=43
